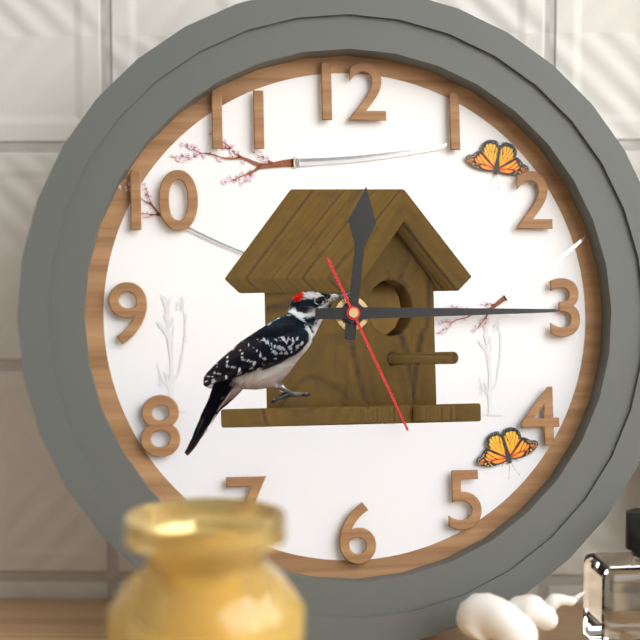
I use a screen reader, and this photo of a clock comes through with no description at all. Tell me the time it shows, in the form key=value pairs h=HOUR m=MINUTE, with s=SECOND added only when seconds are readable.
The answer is h=12 m=15 s=26
